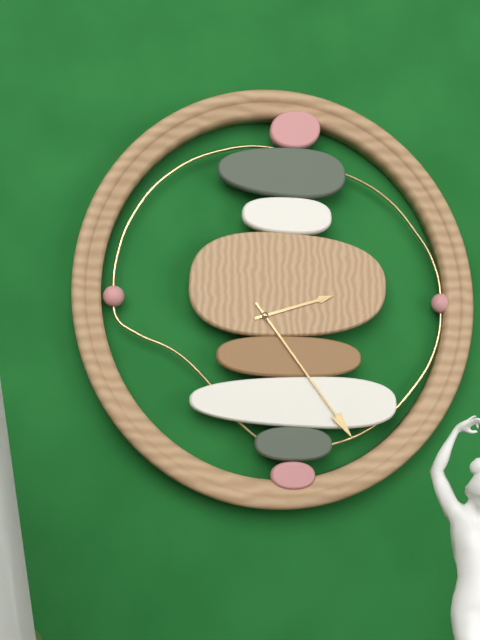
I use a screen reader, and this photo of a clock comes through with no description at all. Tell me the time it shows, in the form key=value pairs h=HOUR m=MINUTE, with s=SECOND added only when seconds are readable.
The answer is h=2 m=24
